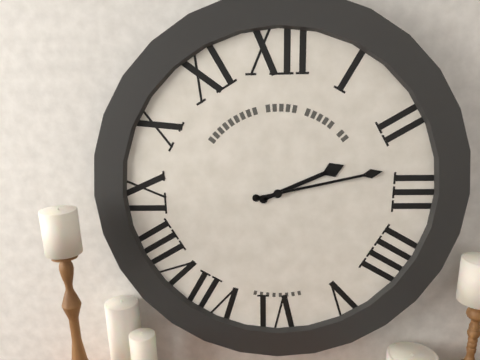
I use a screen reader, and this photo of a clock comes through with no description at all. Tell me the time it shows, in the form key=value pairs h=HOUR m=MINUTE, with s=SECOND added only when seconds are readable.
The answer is h=2 m=13
